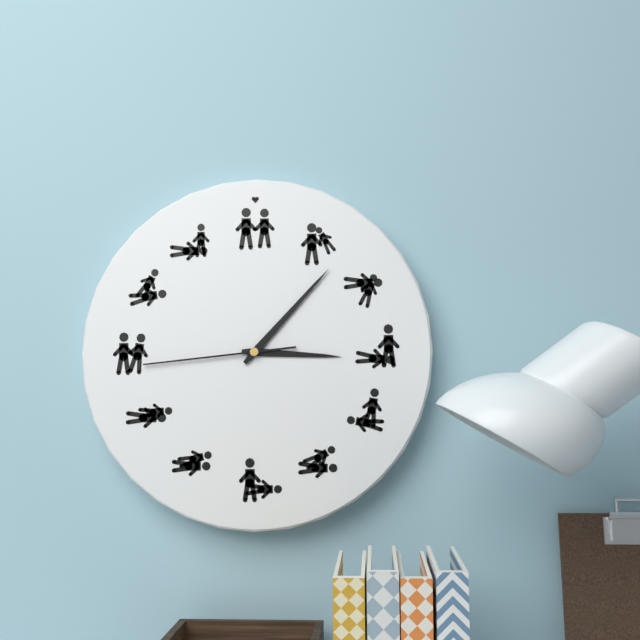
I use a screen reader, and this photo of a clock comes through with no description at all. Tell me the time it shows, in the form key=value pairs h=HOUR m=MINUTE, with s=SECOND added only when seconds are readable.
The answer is h=3 m=7 s=44
